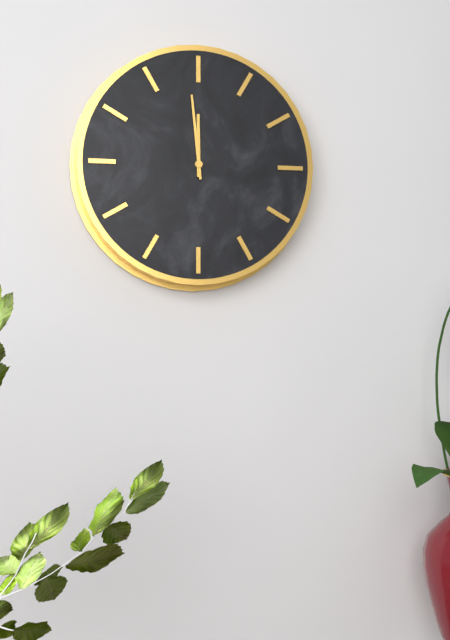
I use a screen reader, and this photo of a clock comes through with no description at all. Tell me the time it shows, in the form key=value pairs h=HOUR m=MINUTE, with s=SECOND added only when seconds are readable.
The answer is h=11 m=59
